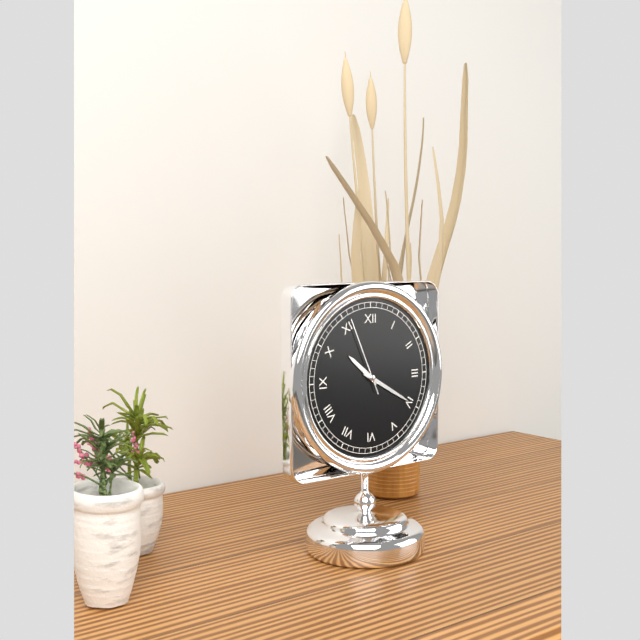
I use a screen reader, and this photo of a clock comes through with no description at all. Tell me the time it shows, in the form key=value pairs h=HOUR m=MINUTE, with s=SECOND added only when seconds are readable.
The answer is h=10 m=20 s=56
